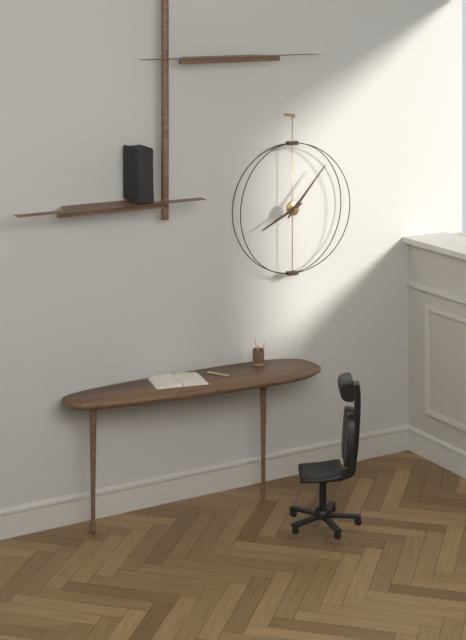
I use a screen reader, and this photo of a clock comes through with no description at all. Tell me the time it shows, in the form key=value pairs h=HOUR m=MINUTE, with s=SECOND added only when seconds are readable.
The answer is h=8 m=7
